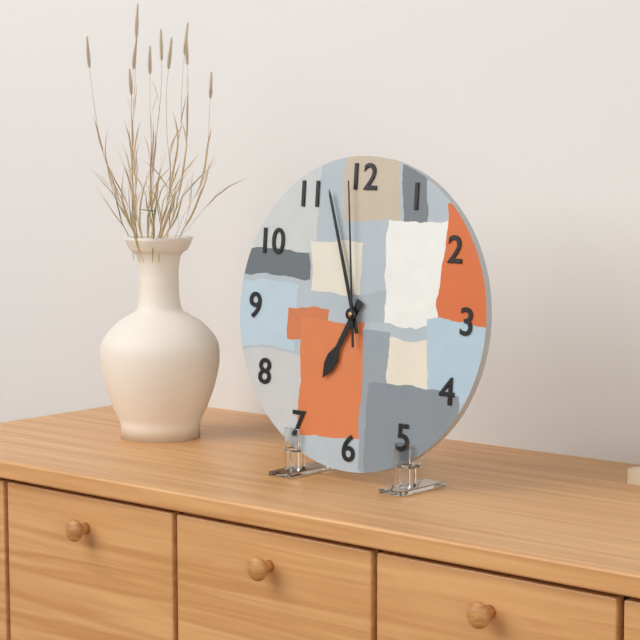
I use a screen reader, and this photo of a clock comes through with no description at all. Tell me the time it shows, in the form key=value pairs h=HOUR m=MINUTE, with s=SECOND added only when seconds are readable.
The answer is h=6 m=57 s=59
